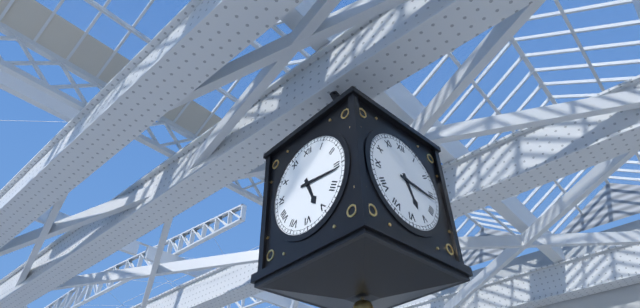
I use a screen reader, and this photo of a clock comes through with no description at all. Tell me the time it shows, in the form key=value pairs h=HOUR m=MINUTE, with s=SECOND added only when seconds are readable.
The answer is h=5 m=16
